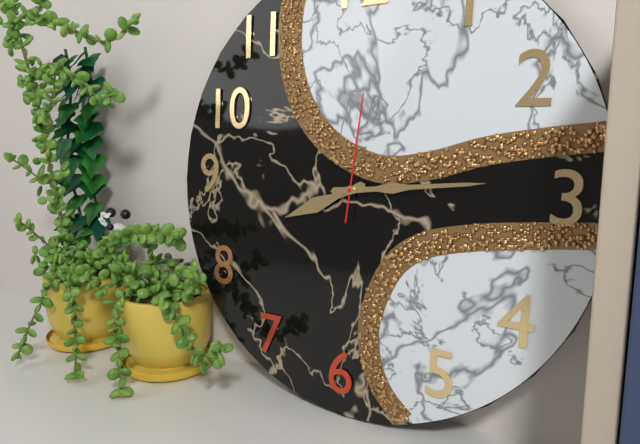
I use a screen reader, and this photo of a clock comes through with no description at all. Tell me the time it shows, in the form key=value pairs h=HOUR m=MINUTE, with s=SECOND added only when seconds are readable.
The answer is h=8 m=14 s=1
